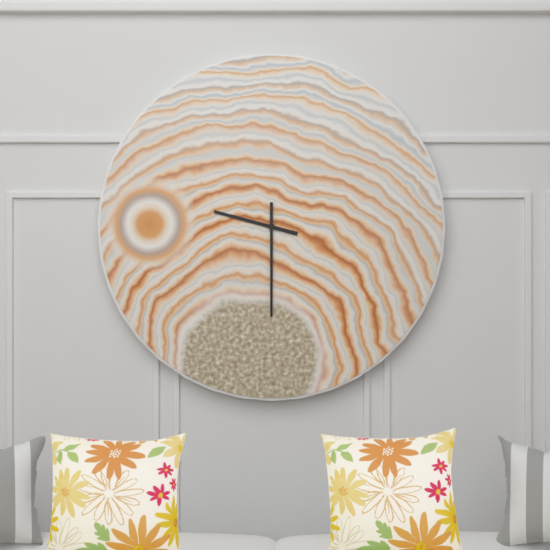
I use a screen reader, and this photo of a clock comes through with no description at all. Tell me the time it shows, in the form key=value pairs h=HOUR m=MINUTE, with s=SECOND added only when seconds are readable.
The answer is h=9 m=30
